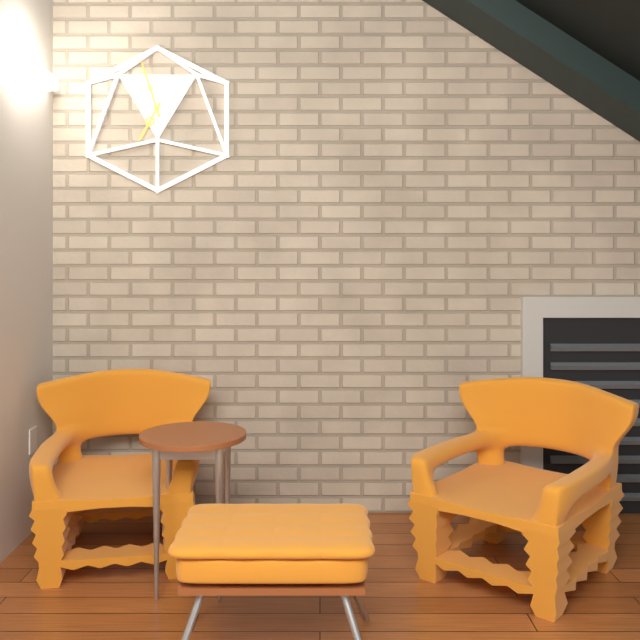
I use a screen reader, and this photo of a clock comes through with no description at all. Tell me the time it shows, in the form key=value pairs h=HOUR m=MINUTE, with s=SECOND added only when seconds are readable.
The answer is h=6 m=57
